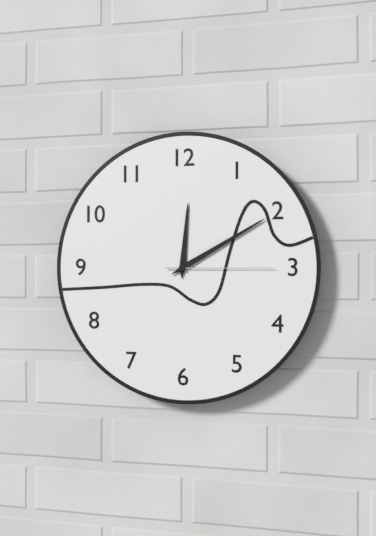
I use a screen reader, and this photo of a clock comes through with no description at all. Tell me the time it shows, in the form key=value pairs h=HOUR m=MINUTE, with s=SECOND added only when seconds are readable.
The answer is h=12 m=10 s=15
